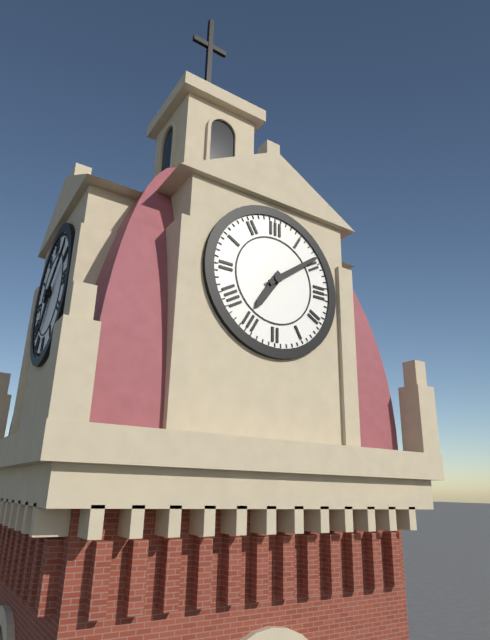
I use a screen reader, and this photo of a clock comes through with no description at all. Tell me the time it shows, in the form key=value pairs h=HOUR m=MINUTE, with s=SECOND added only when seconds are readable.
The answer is h=7 m=9
